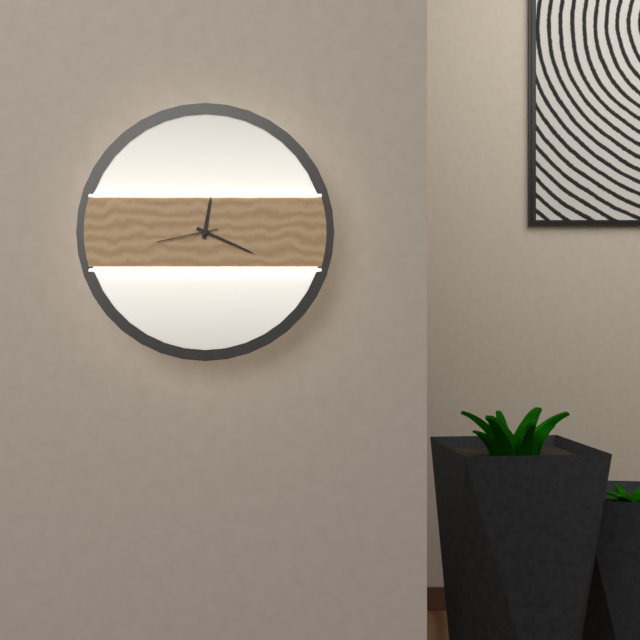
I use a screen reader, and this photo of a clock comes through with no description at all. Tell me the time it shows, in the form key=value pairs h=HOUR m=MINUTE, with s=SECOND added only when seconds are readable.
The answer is h=12 m=19 s=43
